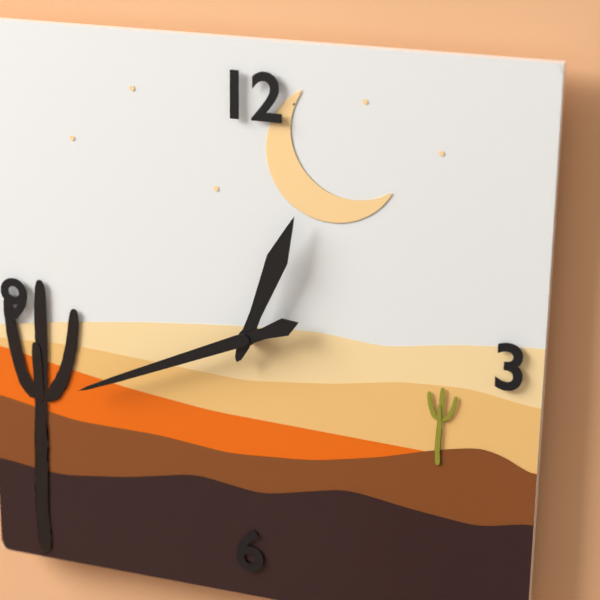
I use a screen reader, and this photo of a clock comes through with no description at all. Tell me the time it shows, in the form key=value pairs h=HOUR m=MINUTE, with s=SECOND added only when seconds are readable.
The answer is h=12 m=41
